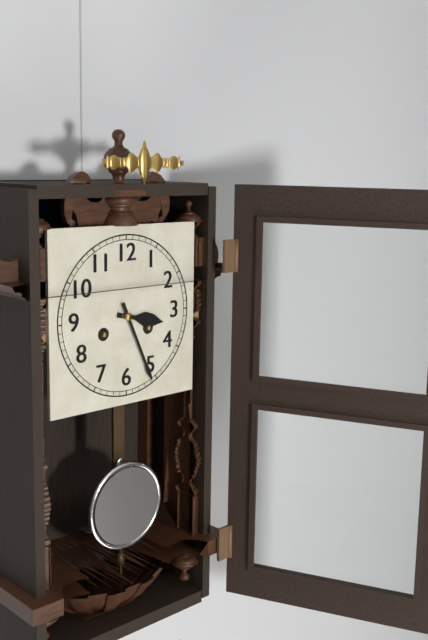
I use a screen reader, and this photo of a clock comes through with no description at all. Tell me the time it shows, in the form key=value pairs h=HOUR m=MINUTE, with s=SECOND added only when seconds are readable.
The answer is h=3 m=26
